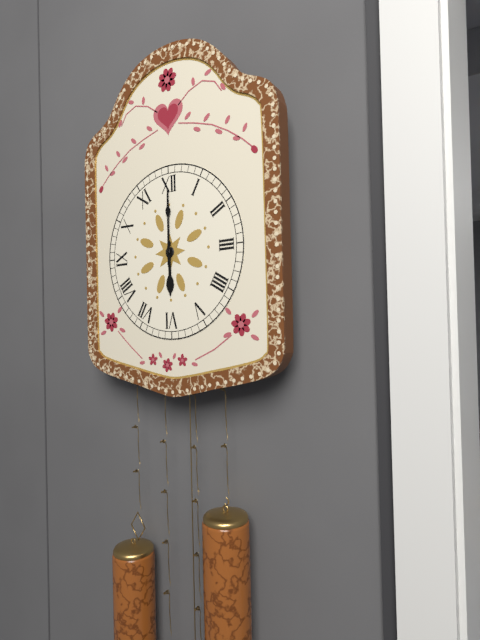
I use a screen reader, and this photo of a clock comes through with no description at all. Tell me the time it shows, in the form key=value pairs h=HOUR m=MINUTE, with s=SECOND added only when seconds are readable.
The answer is h=6 m=0
